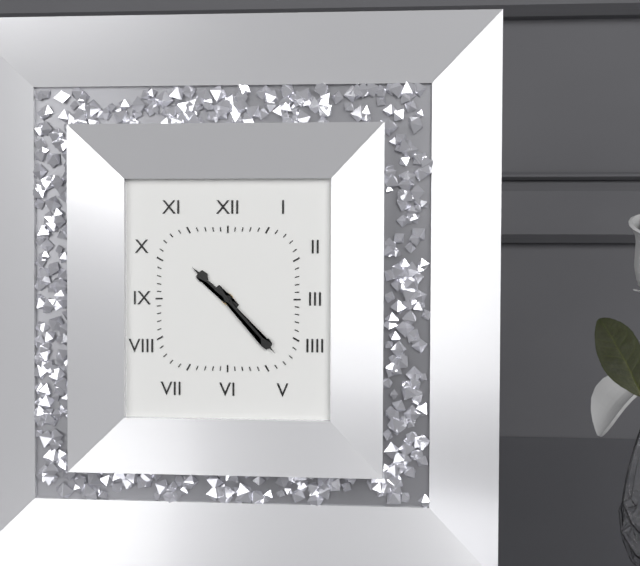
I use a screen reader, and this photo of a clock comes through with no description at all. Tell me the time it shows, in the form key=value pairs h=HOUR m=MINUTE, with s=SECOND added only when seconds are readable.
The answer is h=10 m=23
